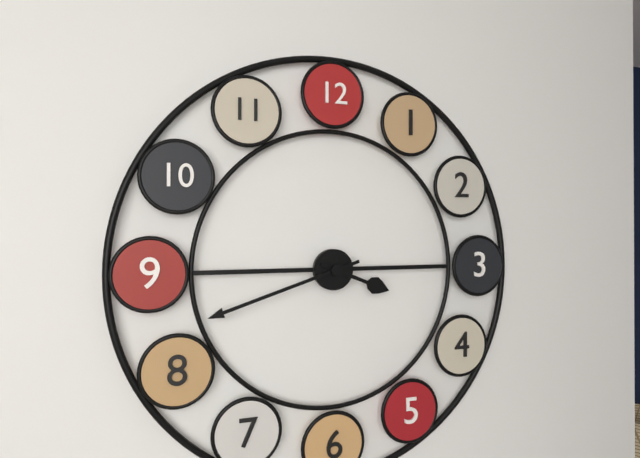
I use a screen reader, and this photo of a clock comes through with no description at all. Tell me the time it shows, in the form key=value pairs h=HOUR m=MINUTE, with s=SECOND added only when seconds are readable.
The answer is h=3 m=42
